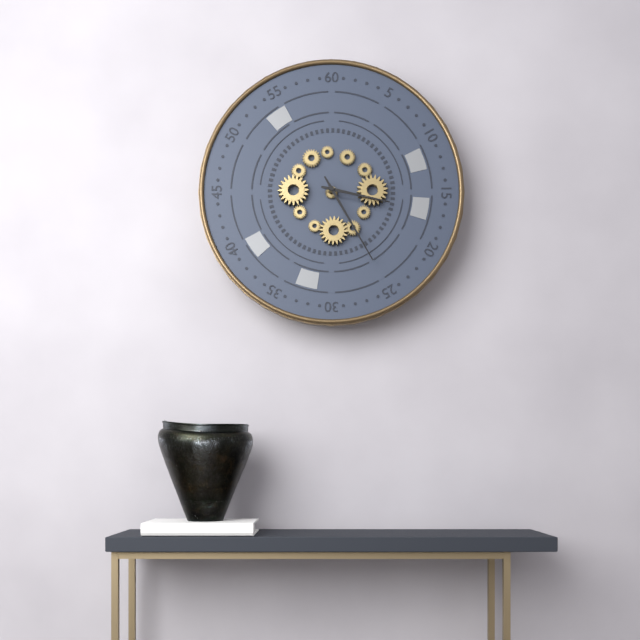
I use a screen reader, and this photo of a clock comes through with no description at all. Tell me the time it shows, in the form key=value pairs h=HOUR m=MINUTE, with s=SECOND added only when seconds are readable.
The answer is h=3 m=25
